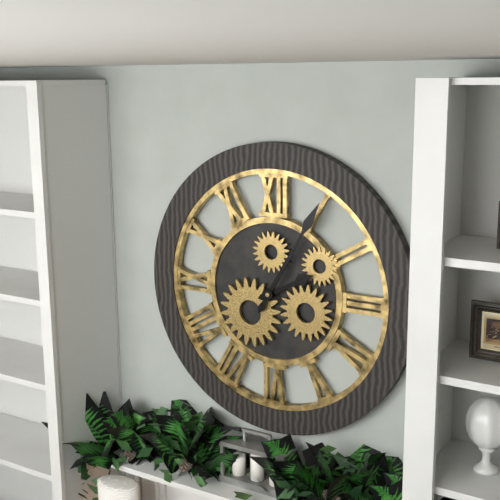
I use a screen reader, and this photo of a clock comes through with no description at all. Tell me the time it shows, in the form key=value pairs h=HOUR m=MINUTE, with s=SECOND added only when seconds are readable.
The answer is h=2 m=5
